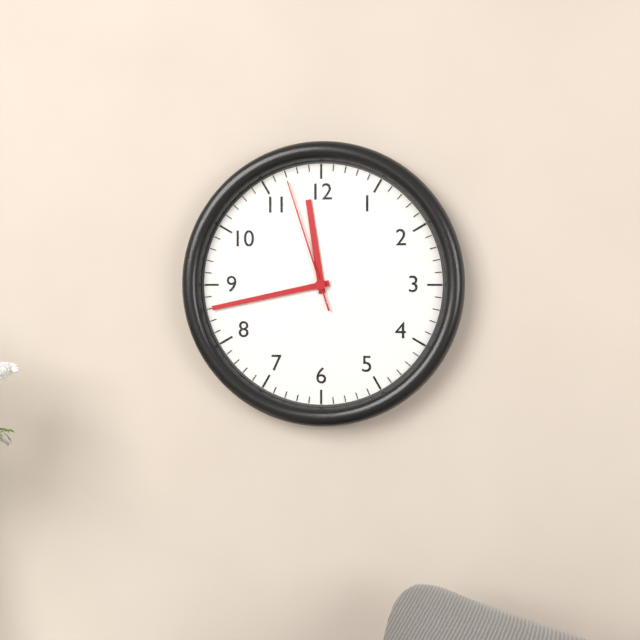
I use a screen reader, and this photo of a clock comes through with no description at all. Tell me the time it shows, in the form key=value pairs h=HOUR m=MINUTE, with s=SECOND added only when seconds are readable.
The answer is h=11 m=43 s=57
